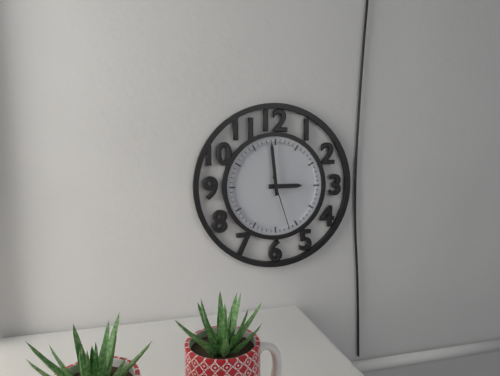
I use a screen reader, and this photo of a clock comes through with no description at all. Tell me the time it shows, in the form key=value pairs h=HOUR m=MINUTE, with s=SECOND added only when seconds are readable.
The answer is h=2 m=59 s=27
